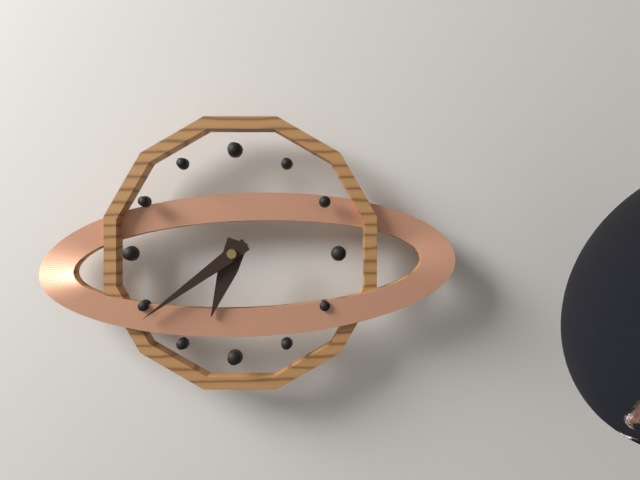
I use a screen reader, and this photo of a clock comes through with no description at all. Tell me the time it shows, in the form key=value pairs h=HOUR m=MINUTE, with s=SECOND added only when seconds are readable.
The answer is h=6 m=39
